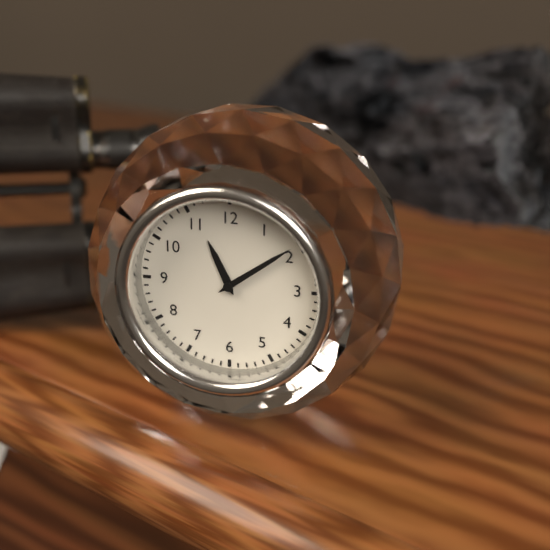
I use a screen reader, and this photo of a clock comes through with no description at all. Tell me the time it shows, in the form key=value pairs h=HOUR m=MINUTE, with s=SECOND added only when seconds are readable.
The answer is h=11 m=9
